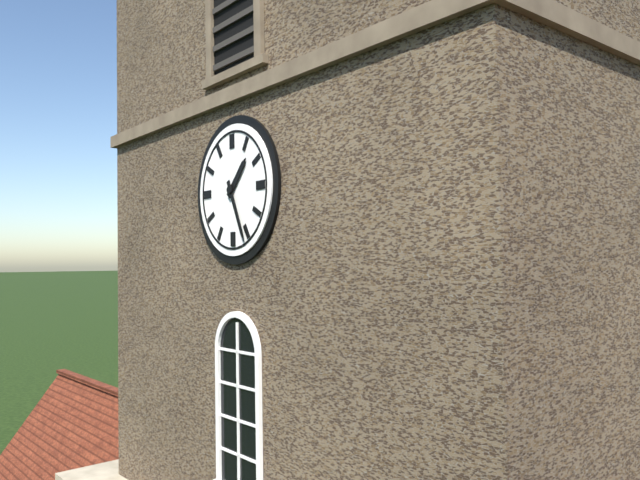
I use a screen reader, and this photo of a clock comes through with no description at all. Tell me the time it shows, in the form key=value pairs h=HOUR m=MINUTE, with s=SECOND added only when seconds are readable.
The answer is h=1 m=26
